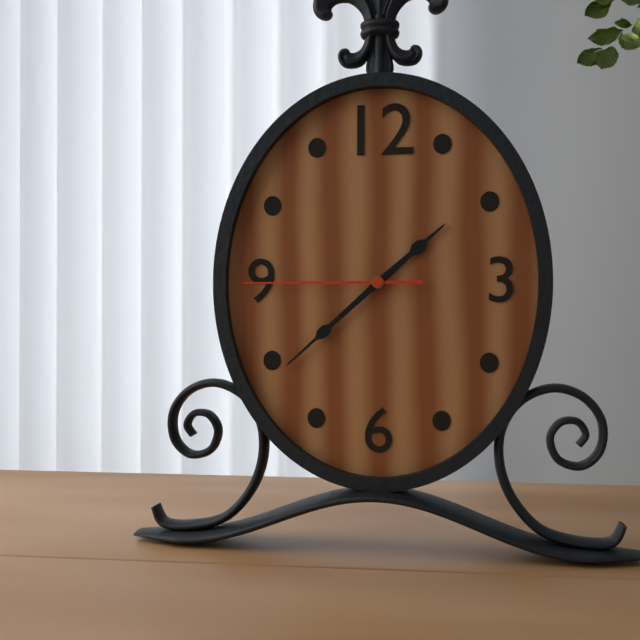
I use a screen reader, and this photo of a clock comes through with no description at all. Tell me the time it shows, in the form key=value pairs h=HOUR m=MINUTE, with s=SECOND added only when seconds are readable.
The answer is h=1 m=38 s=45
